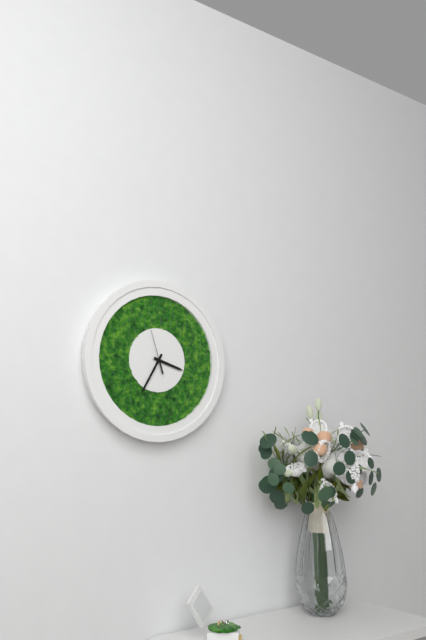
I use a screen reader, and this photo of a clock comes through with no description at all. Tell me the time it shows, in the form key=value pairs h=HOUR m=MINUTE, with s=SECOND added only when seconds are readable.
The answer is h=3 m=35
